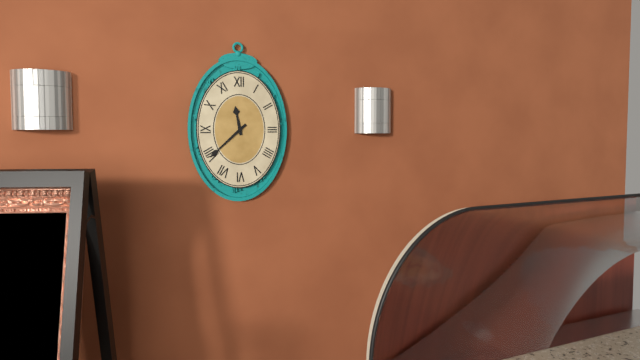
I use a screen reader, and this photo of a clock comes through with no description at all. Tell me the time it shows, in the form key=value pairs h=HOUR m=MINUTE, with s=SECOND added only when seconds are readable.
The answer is h=11 m=38
